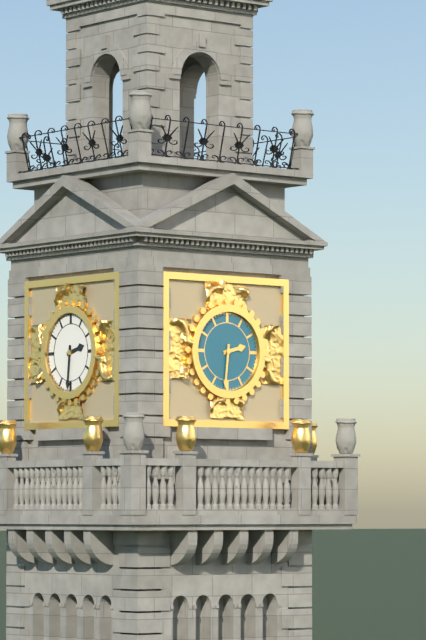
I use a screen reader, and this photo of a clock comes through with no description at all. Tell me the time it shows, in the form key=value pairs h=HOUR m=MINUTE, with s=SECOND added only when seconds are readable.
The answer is h=2 m=31
